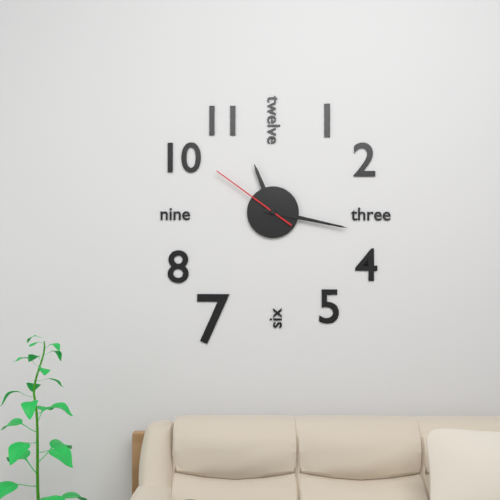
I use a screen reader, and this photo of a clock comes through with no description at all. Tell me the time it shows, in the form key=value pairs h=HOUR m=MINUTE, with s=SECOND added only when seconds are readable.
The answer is h=11 m=17 s=51
